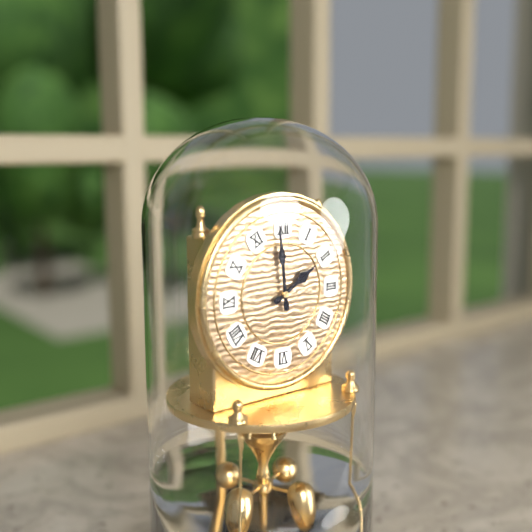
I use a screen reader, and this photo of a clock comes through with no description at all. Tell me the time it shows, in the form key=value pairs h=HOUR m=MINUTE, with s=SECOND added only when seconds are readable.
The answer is h=1 m=59
